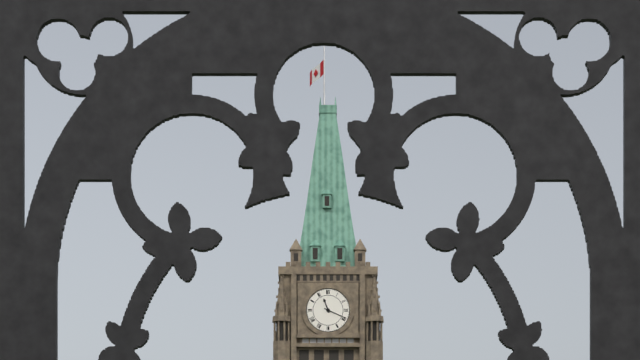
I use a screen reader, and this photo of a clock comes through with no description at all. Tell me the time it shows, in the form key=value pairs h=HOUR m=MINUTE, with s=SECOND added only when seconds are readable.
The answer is h=11 m=19
